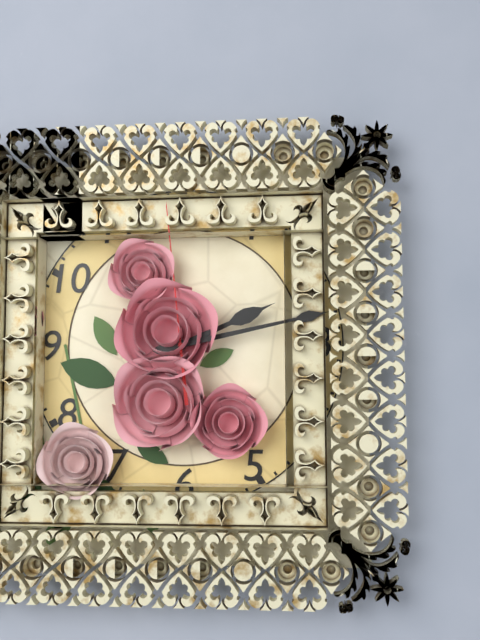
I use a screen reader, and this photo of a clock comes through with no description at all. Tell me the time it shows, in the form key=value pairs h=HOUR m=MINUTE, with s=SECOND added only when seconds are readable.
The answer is h=2 m=13 s=59
